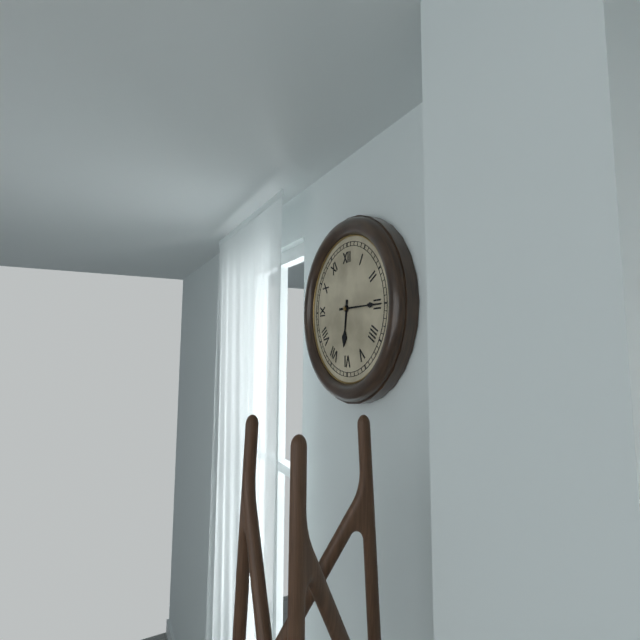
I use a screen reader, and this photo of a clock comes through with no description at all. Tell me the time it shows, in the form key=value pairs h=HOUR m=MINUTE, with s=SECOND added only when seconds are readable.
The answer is h=6 m=15
